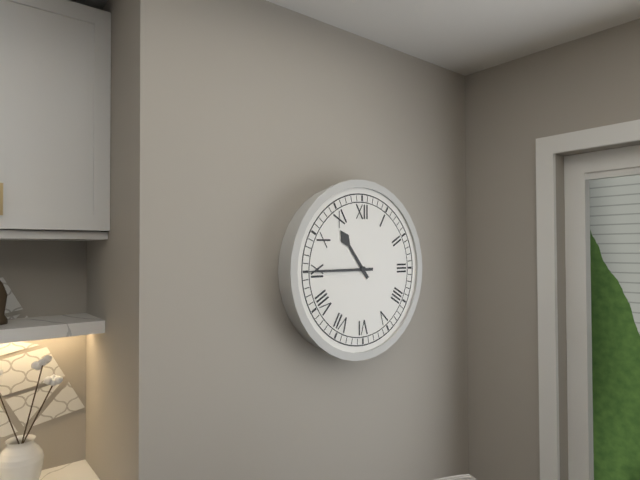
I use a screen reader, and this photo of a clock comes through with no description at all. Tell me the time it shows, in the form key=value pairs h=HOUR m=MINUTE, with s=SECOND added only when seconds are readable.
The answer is h=10 m=45
